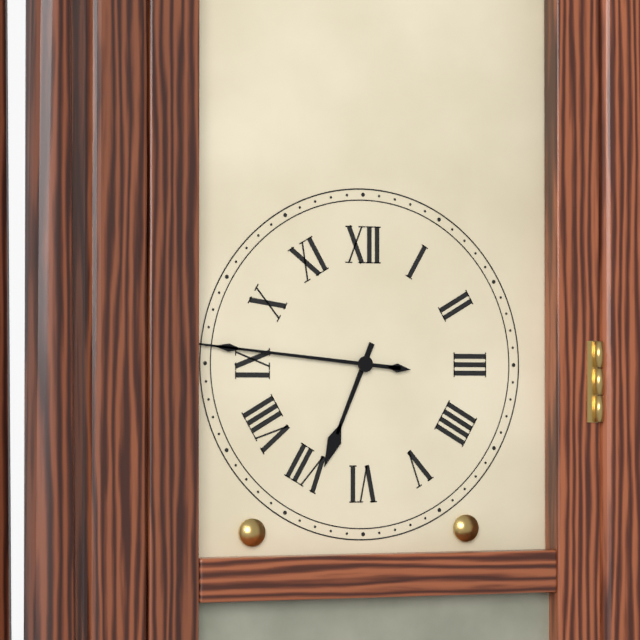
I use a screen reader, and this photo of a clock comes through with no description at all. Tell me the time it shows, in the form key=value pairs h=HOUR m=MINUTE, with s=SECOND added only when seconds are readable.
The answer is h=6 m=46
